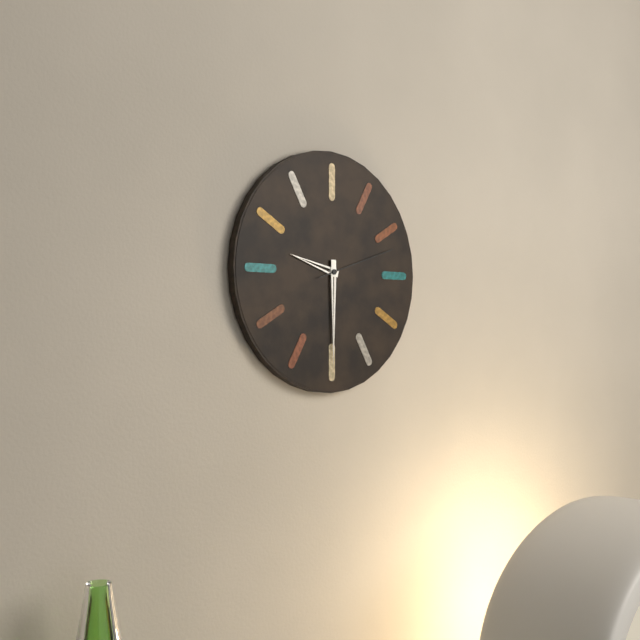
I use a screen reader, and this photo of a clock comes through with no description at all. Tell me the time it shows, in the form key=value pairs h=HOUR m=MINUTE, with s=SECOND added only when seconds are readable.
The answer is h=9 m=30 s=12
